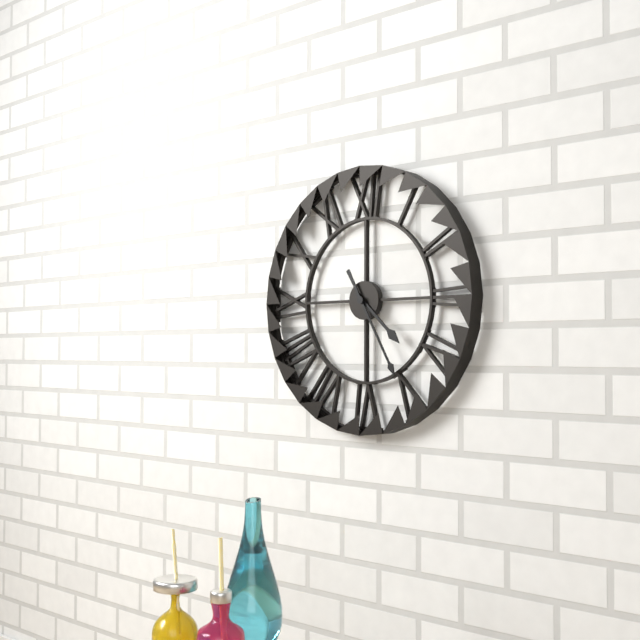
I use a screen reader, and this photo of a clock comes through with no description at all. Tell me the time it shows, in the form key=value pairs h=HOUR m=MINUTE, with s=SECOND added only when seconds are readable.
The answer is h=4 m=25
